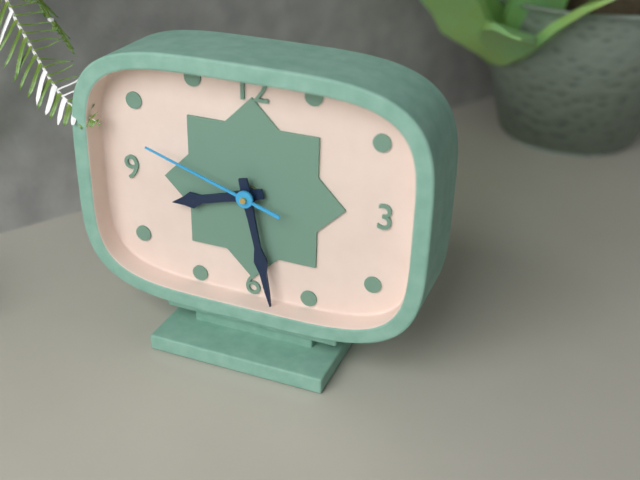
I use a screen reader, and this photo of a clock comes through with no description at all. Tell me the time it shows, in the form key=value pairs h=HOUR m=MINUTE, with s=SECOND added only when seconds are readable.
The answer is h=8 m=28 s=48
